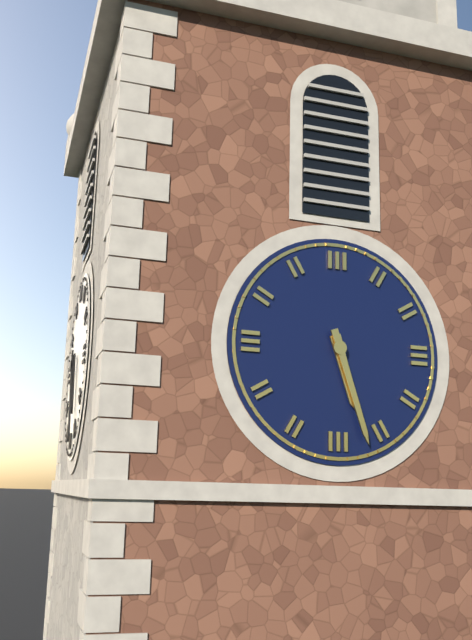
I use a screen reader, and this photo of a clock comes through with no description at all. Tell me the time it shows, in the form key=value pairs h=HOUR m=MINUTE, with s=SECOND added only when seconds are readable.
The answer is h=5 m=27
